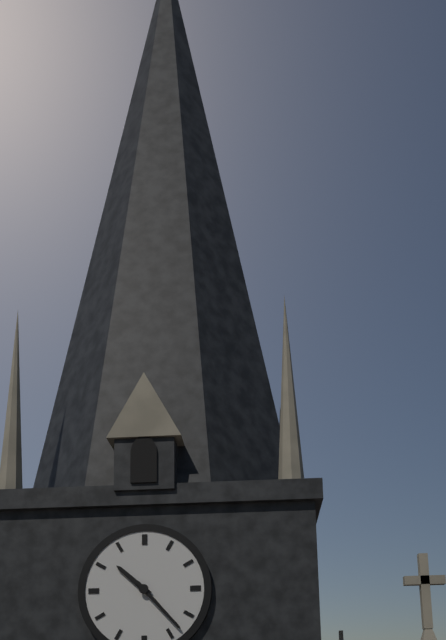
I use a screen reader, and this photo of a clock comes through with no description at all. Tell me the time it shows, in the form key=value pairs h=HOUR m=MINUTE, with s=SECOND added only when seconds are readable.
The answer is h=10 m=23
